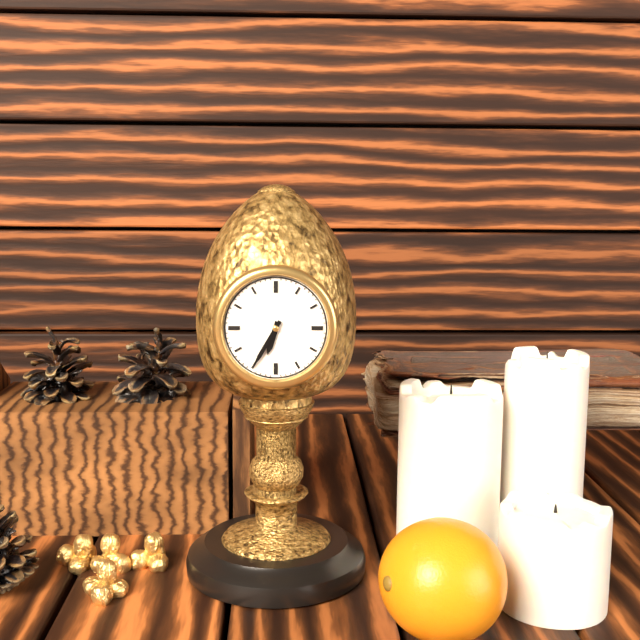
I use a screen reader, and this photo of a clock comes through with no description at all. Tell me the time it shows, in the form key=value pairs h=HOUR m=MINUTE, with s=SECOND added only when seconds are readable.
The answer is h=6 m=35
